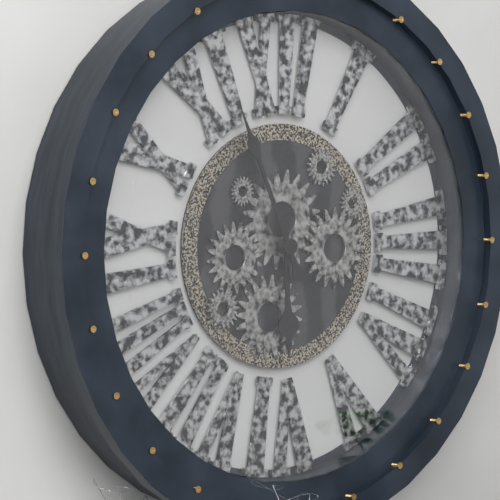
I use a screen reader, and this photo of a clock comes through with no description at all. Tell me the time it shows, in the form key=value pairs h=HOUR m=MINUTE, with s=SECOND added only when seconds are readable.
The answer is h=5 m=56
